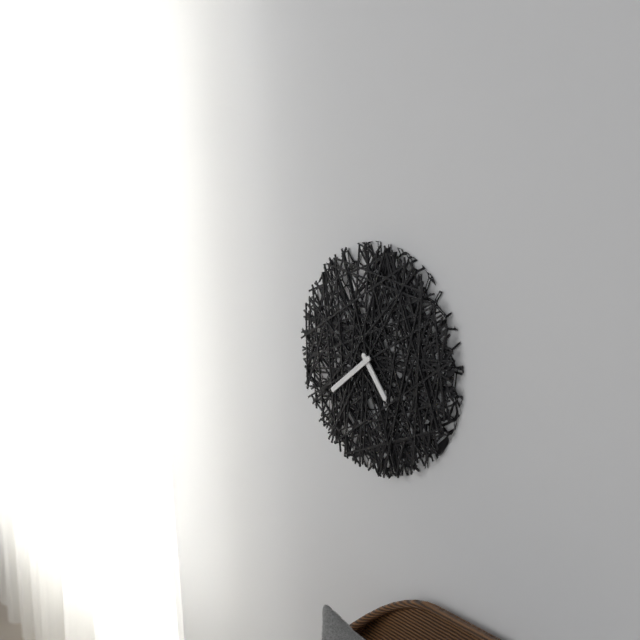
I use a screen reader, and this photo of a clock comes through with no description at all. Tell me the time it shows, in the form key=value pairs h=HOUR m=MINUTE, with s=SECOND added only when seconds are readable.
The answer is h=4 m=39
